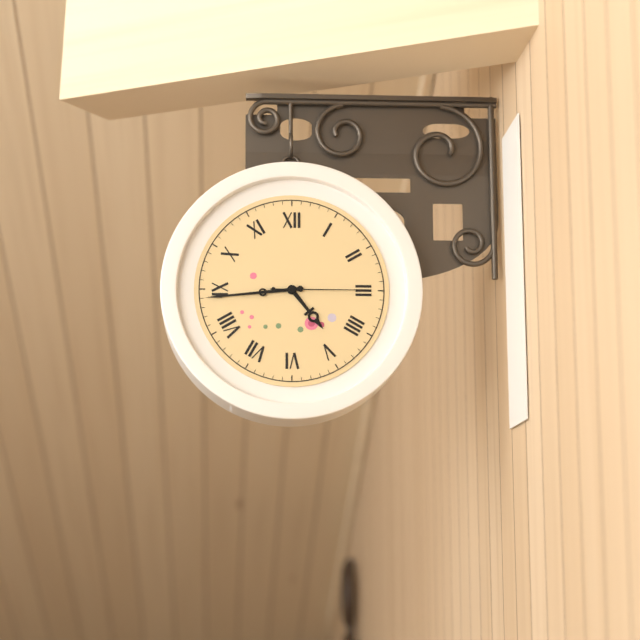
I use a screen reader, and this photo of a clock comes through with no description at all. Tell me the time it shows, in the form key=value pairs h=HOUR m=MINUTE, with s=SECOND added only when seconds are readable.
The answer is h=4 m=44 s=15
